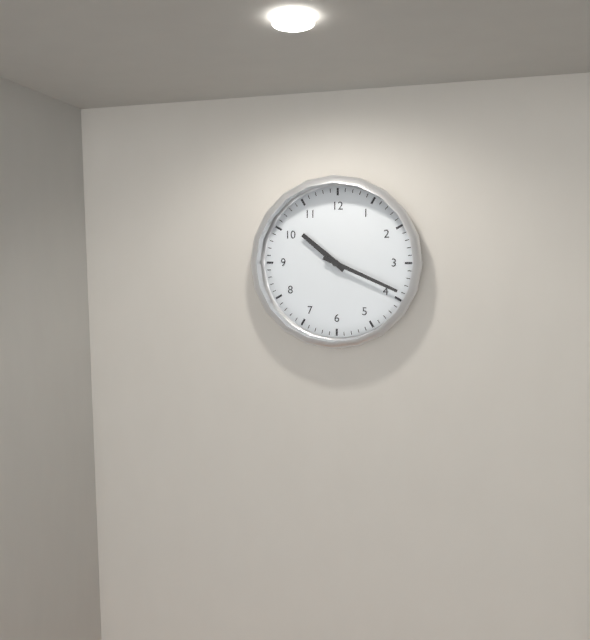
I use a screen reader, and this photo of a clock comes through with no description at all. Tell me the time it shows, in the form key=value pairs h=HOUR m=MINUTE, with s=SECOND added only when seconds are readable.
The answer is h=10 m=19
